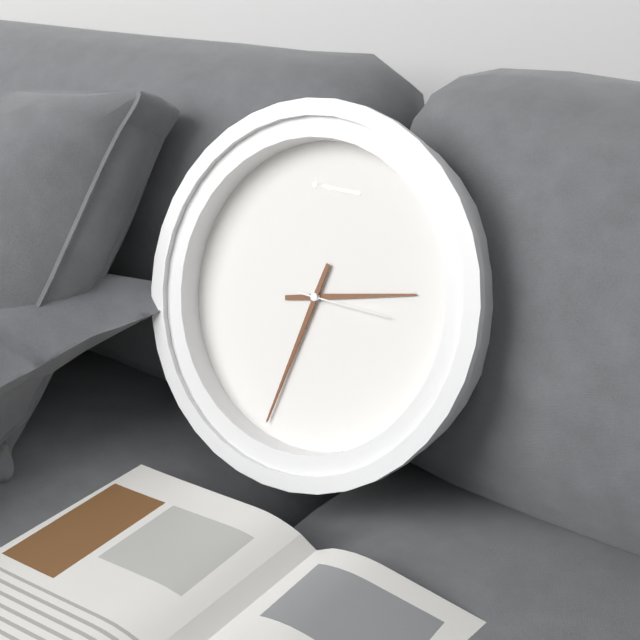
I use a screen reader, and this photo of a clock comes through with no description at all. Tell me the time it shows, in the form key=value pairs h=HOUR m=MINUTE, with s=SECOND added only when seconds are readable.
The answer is h=2 m=32 s=15
